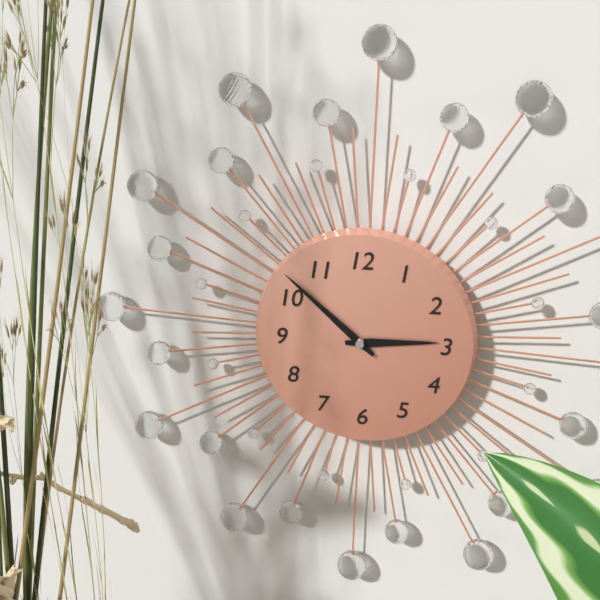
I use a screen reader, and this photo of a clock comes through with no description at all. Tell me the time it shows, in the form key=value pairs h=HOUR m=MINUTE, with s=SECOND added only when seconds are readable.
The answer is h=2 m=52
